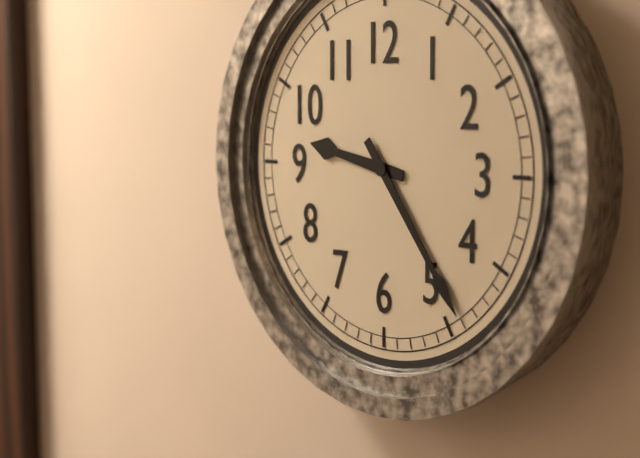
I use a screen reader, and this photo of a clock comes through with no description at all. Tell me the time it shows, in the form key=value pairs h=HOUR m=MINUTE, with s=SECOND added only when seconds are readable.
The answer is h=9 m=24
